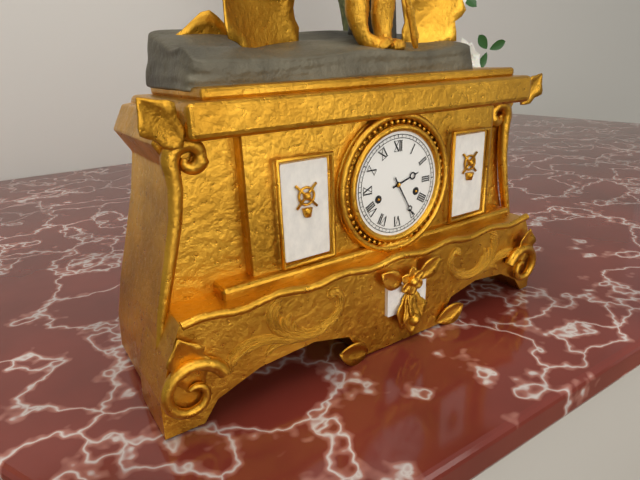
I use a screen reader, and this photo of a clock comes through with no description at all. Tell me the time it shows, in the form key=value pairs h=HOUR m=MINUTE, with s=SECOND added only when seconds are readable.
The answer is h=2 m=25
